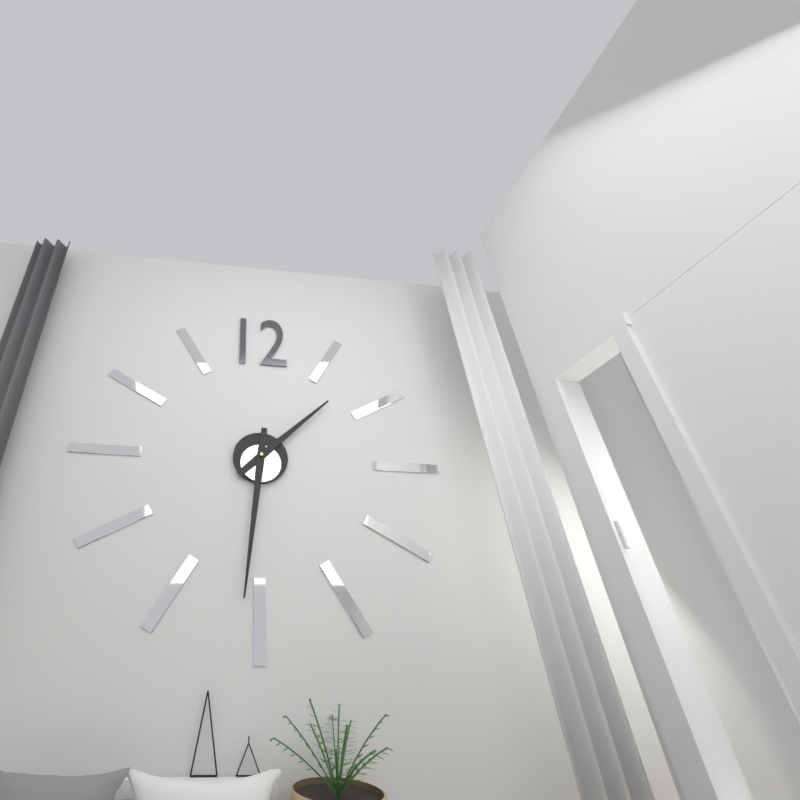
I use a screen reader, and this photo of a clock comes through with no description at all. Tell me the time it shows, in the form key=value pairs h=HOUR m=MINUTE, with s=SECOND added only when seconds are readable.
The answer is h=1 m=31
